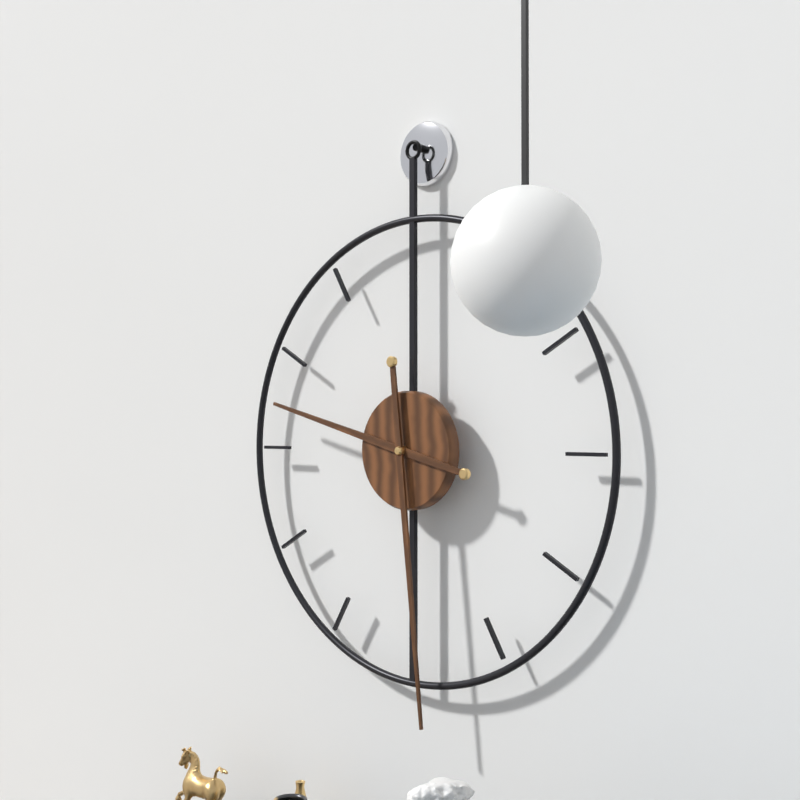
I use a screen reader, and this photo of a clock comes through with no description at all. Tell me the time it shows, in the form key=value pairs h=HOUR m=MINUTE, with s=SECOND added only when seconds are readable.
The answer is h=9 m=29
